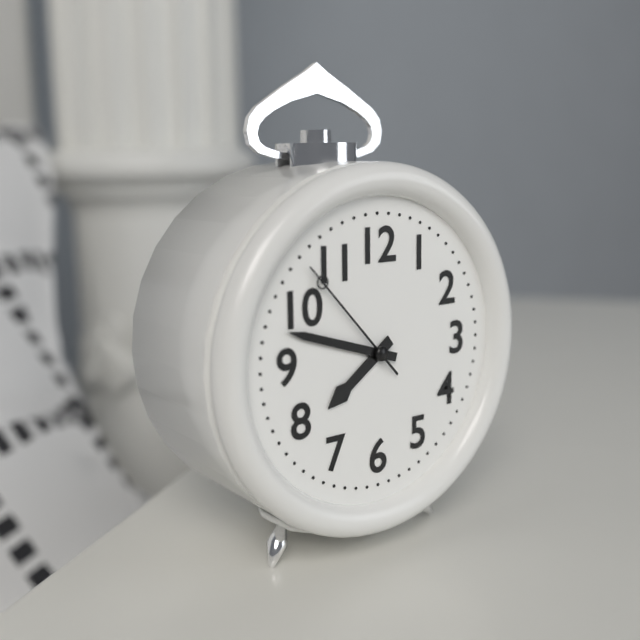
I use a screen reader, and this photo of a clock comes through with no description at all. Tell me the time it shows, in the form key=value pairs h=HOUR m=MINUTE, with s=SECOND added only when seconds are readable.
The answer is h=7 m=48 s=53
